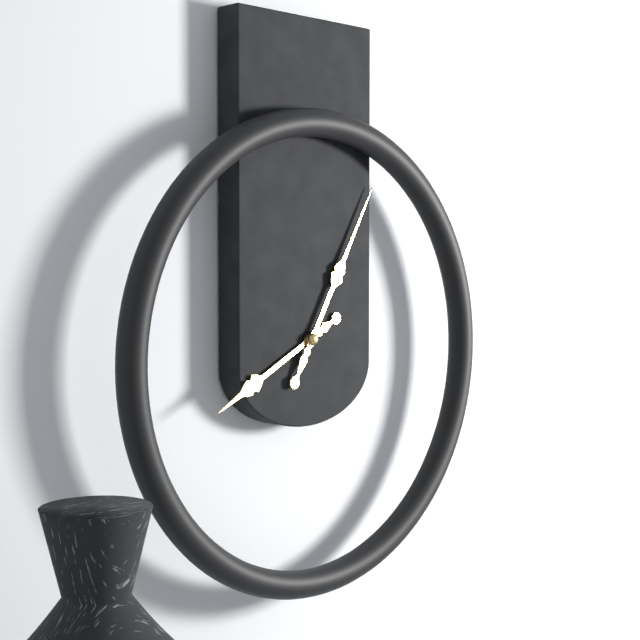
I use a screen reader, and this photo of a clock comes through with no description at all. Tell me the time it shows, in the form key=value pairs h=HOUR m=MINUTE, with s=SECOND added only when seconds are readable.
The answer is h=8 m=5
